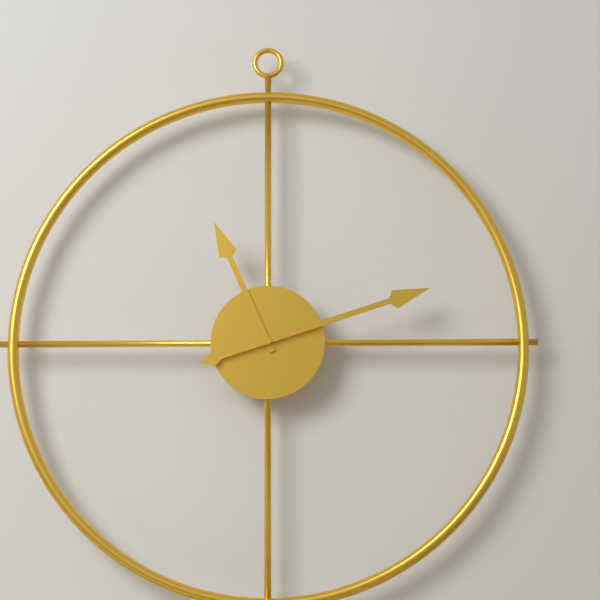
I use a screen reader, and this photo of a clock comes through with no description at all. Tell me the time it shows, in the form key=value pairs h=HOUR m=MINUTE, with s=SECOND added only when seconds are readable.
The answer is h=11 m=12
